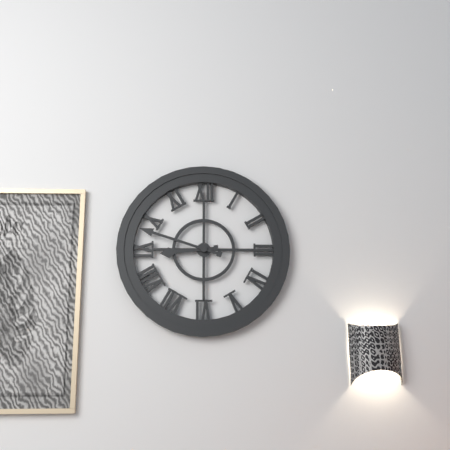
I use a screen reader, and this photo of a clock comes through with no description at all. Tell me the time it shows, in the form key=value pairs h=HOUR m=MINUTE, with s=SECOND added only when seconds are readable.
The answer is h=8 m=48
